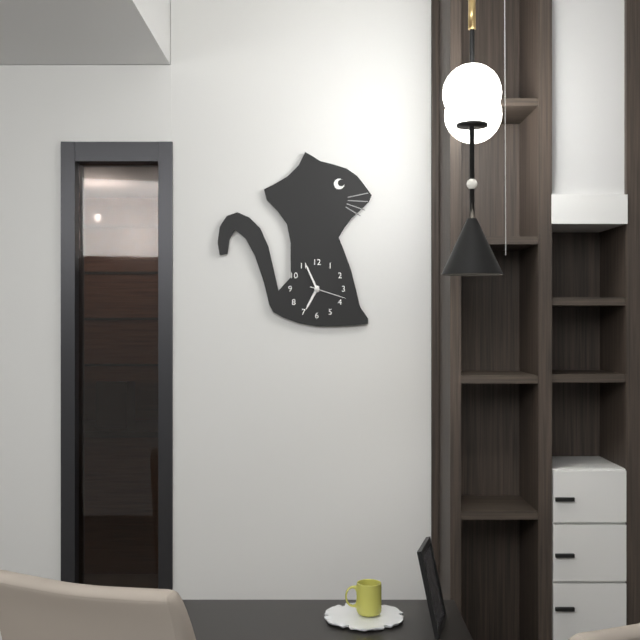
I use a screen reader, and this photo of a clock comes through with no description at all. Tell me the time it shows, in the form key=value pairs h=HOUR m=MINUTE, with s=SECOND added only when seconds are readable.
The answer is h=6 m=56
